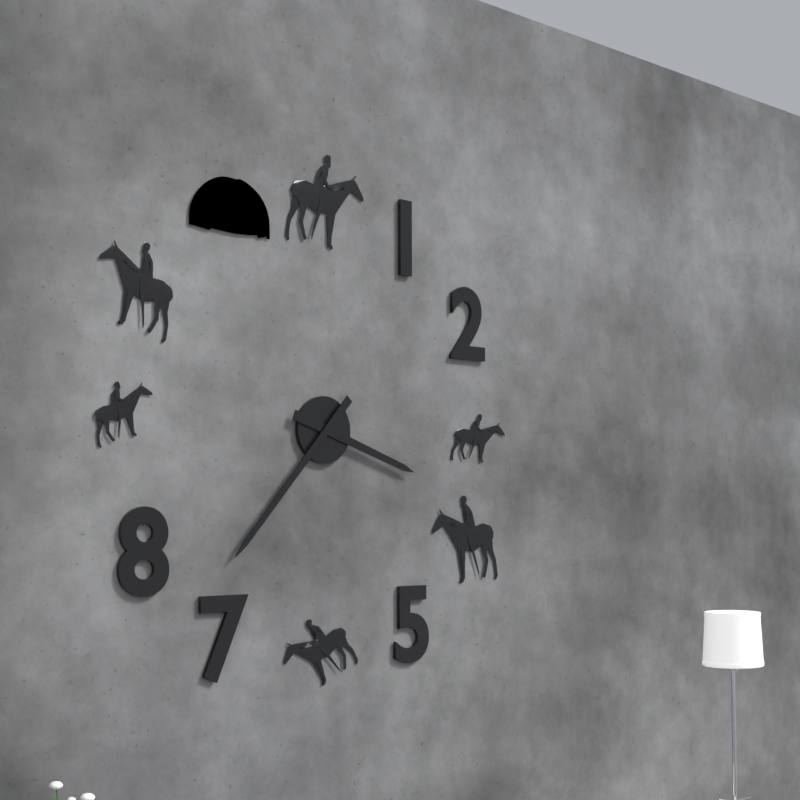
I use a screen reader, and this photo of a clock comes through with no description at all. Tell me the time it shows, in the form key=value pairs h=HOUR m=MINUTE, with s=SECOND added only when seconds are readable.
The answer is h=3 m=37
